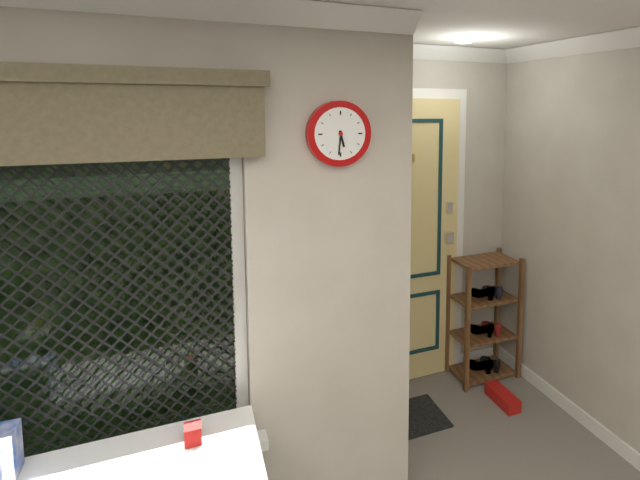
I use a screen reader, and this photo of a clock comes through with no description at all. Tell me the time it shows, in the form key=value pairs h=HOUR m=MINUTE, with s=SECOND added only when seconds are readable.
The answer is h=5 m=31
